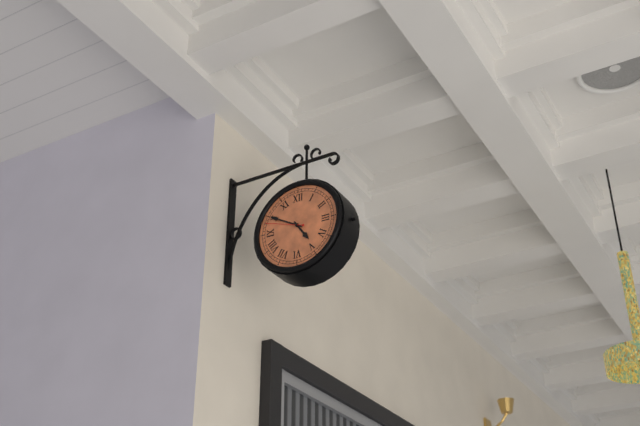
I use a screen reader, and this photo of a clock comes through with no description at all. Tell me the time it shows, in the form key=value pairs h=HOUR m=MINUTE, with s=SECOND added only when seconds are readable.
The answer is h=4 m=50
